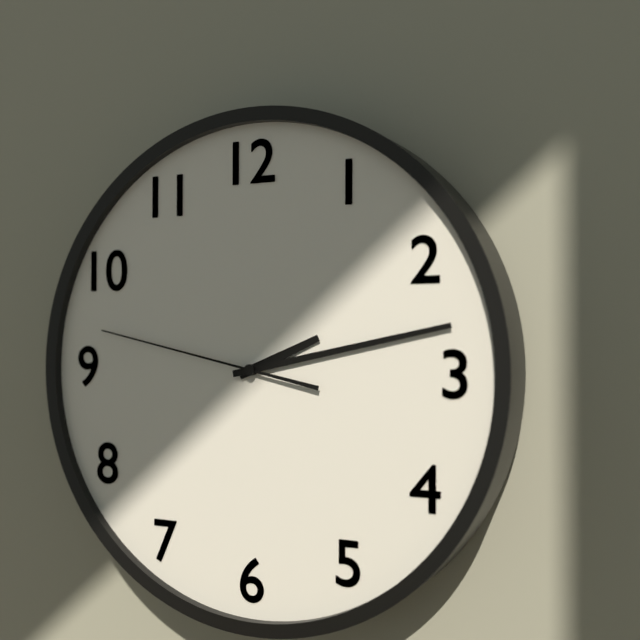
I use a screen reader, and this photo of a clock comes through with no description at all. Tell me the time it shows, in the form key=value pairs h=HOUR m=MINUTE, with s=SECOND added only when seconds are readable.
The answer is h=2 m=13 s=47
